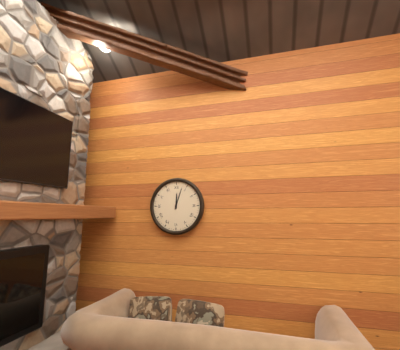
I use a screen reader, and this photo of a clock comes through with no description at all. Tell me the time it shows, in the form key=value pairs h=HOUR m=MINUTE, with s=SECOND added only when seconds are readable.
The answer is h=12 m=3
